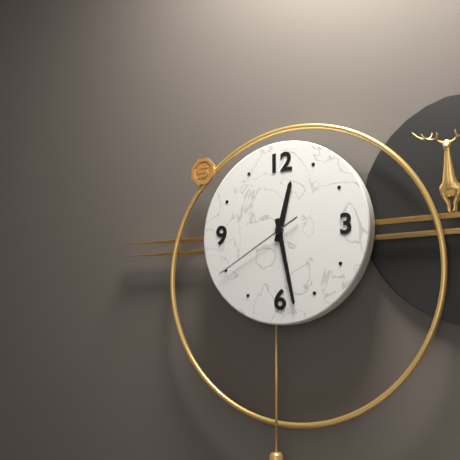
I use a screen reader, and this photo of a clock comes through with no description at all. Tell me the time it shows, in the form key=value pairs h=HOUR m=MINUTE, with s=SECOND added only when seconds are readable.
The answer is h=12 m=28 s=40
